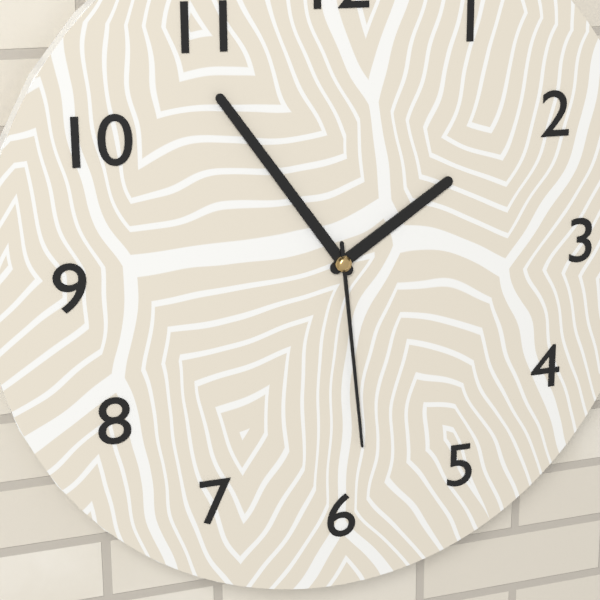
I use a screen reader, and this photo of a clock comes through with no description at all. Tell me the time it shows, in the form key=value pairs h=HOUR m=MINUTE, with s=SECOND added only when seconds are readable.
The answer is h=1 m=54 s=29
